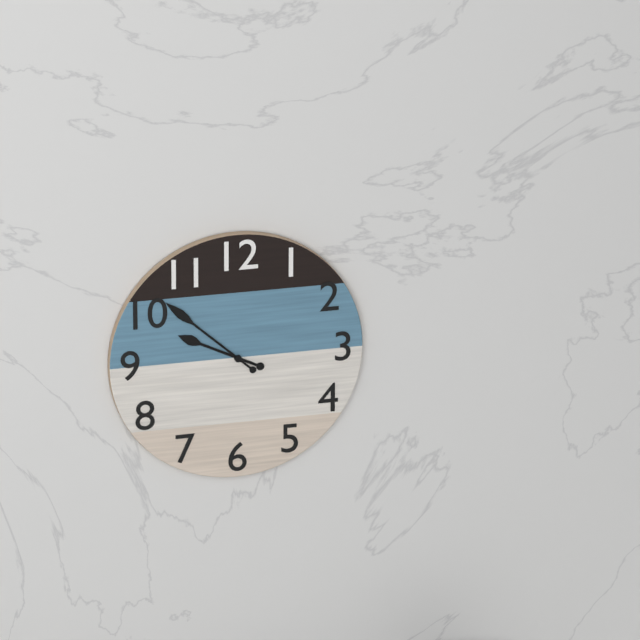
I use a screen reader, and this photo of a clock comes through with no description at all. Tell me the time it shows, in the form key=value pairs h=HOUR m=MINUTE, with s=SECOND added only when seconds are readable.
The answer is h=9 m=52
